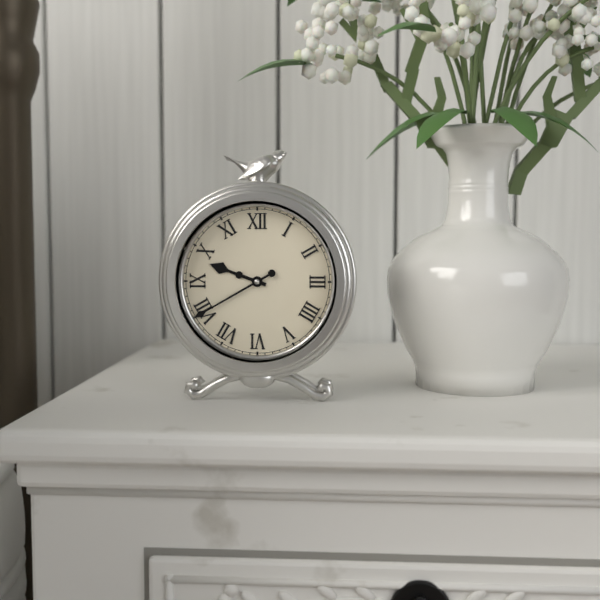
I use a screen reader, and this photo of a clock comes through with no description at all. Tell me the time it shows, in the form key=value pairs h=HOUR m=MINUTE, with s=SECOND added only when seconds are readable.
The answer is h=9 m=40
